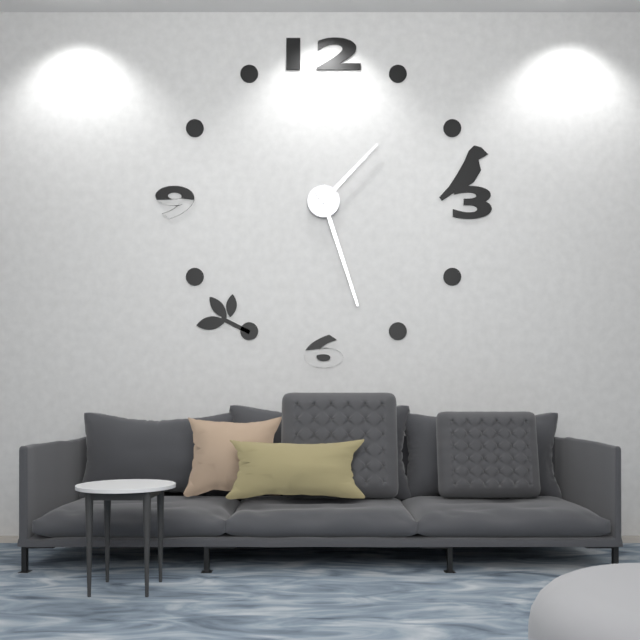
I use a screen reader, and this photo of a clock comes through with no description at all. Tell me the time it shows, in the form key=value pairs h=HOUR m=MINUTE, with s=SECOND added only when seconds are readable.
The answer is h=1 m=27
